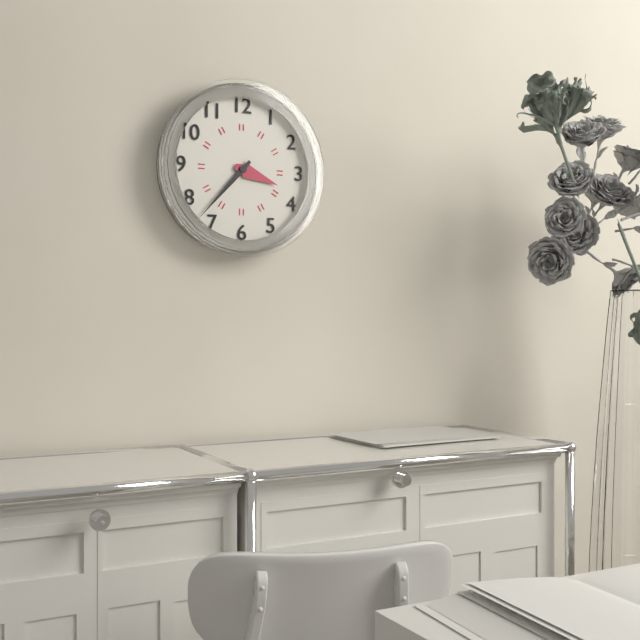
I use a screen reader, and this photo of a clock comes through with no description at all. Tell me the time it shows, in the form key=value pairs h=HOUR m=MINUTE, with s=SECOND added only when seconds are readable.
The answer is h=3 m=37
